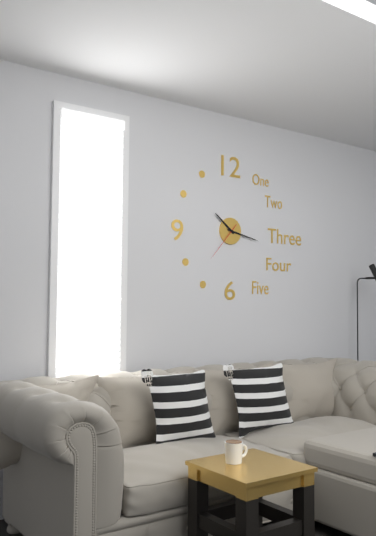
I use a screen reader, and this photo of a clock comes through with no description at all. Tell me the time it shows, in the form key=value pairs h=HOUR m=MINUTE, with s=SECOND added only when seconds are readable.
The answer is h=10 m=17
